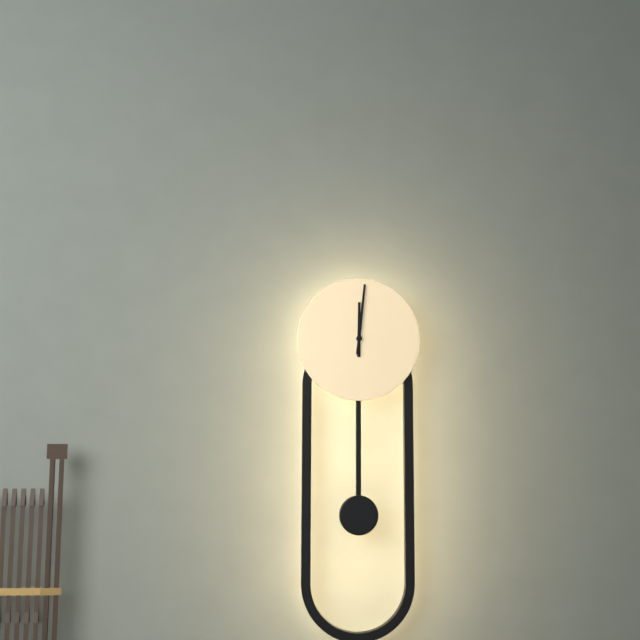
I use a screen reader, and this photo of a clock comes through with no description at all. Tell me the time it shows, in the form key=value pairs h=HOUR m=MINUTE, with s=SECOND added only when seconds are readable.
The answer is h=12 m=1
